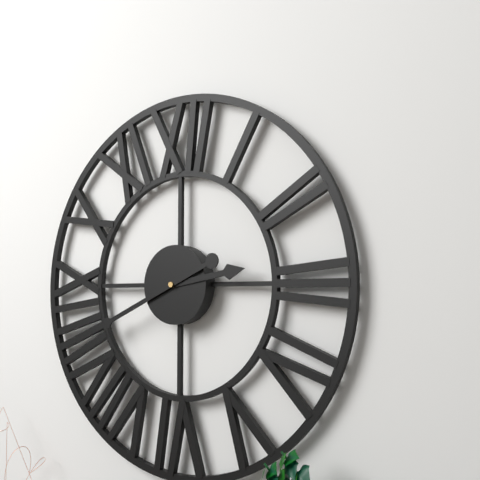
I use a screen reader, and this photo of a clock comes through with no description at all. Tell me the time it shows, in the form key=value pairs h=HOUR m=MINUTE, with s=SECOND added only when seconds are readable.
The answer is h=2 m=41
